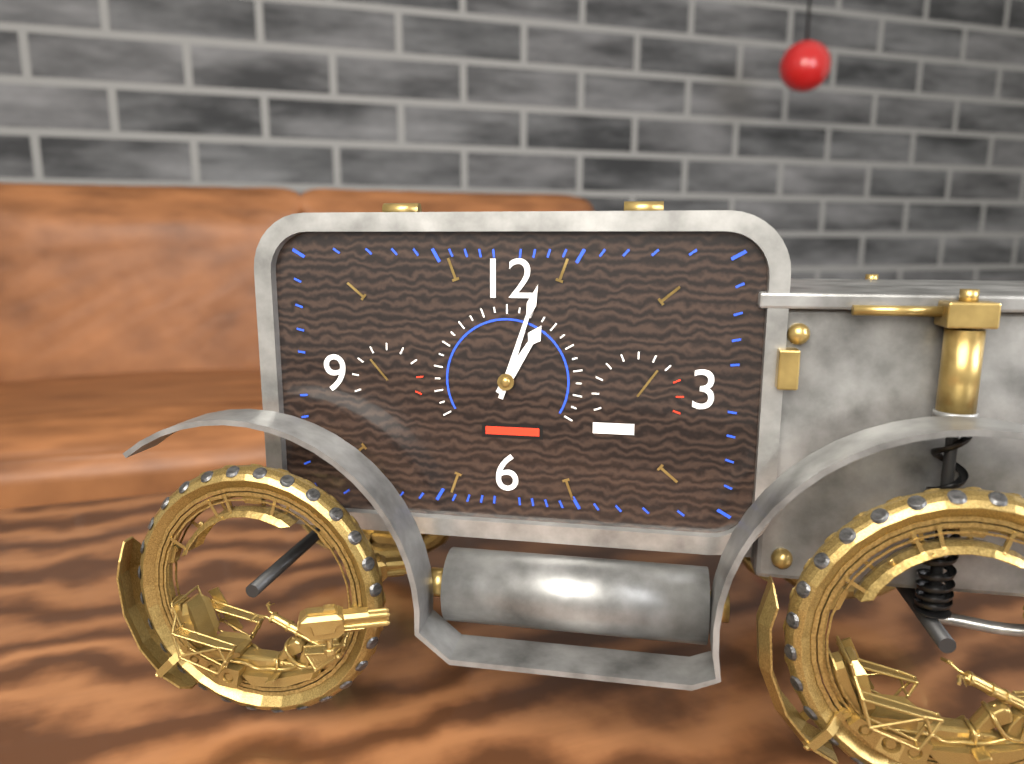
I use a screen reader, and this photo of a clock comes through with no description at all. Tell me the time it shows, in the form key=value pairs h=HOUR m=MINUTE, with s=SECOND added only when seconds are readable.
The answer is h=1 m=3
